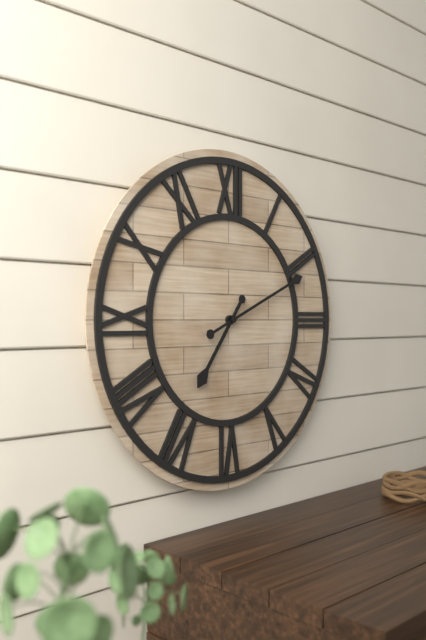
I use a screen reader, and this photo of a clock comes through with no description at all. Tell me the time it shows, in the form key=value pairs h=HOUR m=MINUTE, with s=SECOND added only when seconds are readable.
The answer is h=7 m=11
